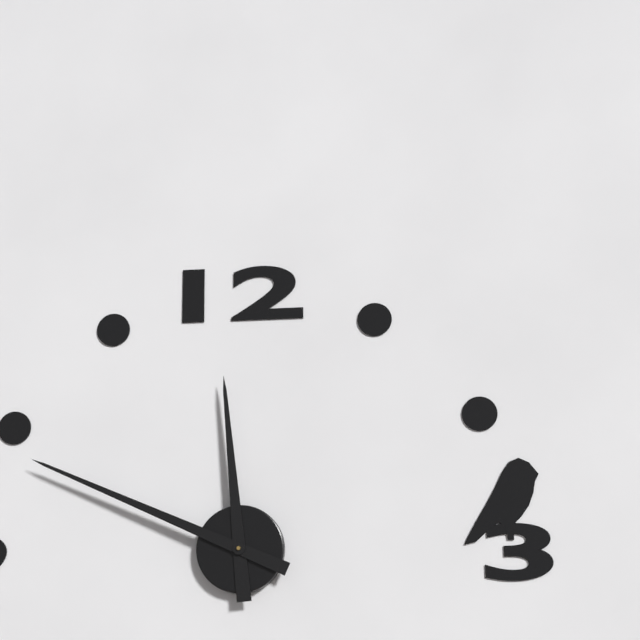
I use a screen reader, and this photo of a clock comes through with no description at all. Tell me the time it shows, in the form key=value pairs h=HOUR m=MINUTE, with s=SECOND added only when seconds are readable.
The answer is h=11 m=49
